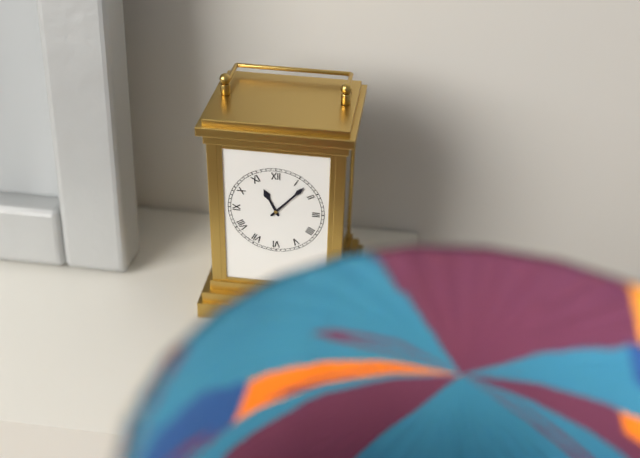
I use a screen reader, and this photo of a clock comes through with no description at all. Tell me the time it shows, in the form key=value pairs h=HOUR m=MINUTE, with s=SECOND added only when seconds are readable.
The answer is h=11 m=7
